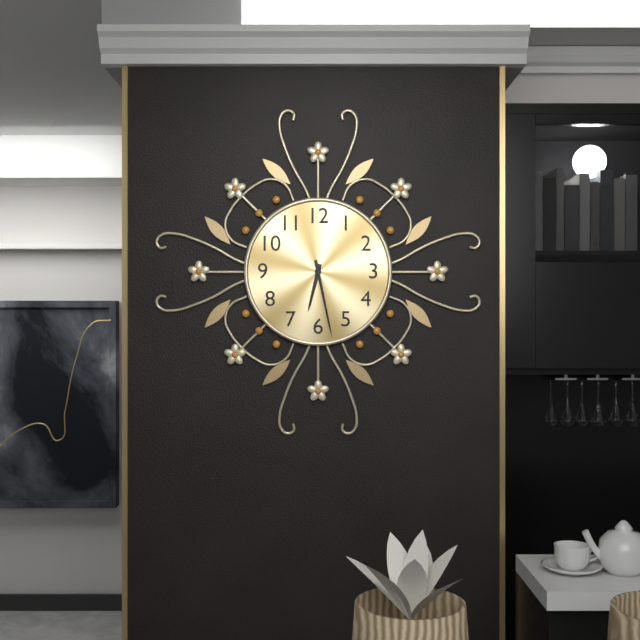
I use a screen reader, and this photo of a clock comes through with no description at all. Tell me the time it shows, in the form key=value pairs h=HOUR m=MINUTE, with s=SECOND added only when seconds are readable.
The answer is h=6 m=28
